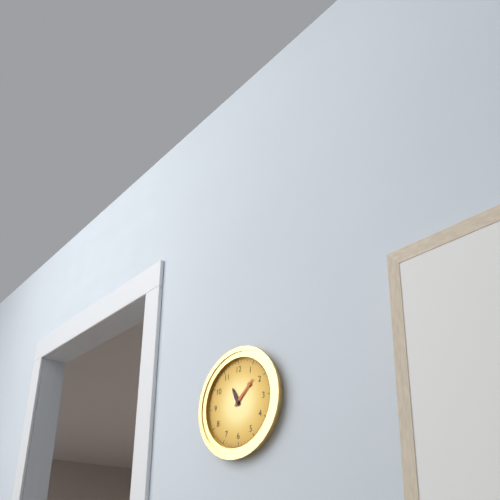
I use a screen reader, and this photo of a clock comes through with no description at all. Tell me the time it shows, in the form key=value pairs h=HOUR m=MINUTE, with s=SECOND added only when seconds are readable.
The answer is h=11 m=8
